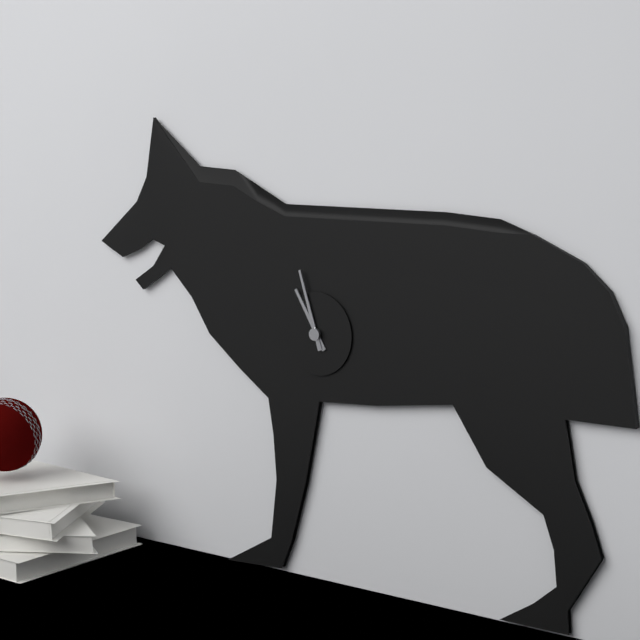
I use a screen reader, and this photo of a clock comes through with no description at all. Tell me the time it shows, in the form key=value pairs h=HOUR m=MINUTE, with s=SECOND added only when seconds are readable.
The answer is h=10 m=57
